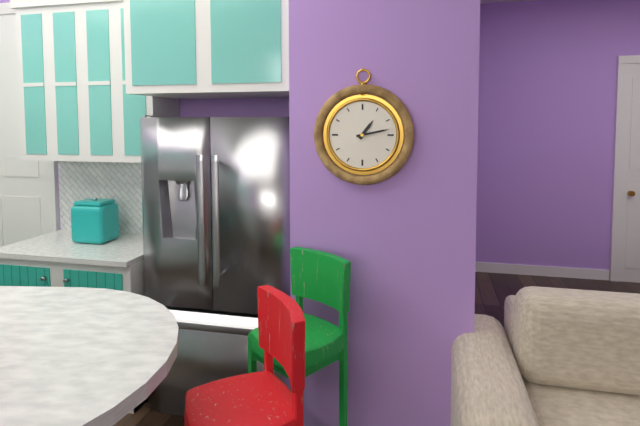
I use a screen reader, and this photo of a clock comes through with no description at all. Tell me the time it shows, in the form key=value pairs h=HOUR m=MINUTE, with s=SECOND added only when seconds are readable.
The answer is h=1 m=13
